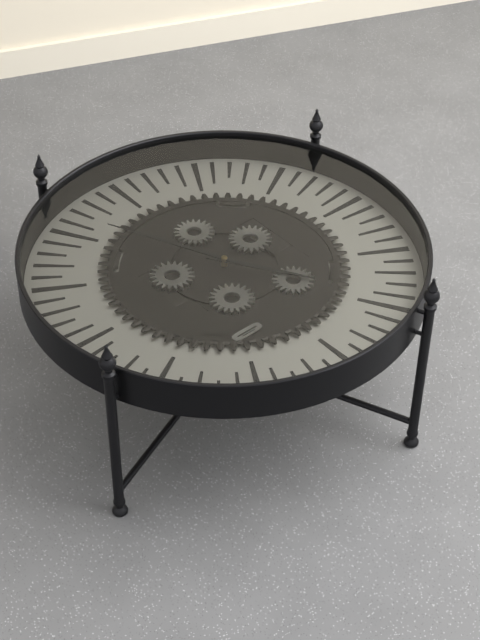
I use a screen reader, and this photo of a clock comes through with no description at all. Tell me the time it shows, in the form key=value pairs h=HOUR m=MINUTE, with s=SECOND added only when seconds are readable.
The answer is h=4 m=56
